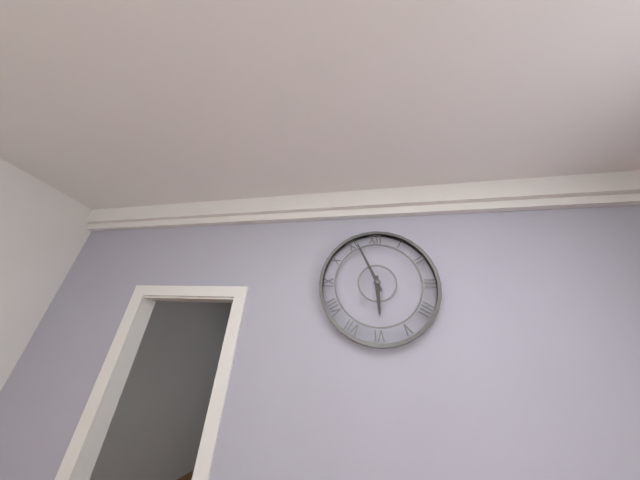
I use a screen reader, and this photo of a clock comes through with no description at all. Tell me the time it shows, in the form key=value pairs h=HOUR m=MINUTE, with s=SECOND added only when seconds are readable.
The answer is h=5 m=56
